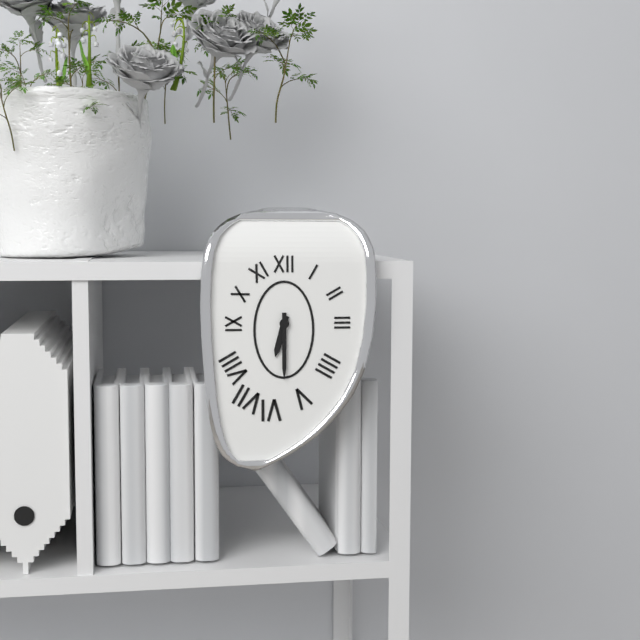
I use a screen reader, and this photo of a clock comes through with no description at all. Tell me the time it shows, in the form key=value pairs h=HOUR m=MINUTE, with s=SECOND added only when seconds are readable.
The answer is h=6 m=30
